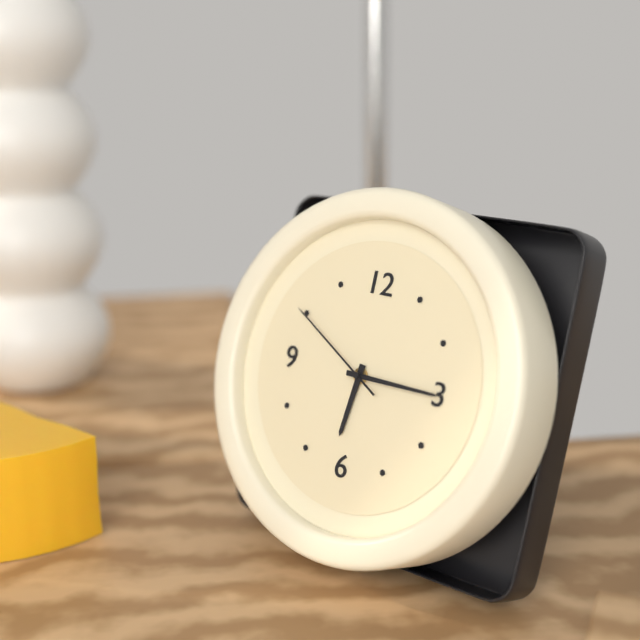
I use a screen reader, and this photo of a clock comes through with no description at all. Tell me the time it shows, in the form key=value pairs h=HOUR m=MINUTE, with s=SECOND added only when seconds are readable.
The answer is h=6 m=15 s=50
